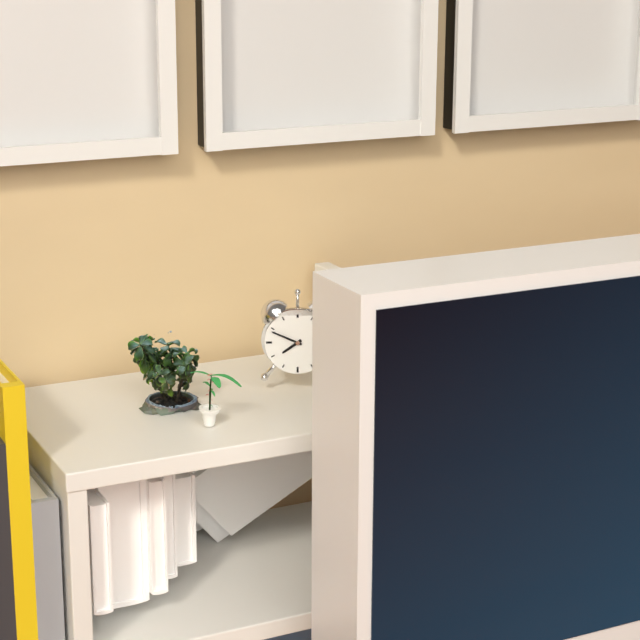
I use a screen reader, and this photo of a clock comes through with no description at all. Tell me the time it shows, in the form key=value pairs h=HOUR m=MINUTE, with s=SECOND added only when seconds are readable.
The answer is h=7 m=49
